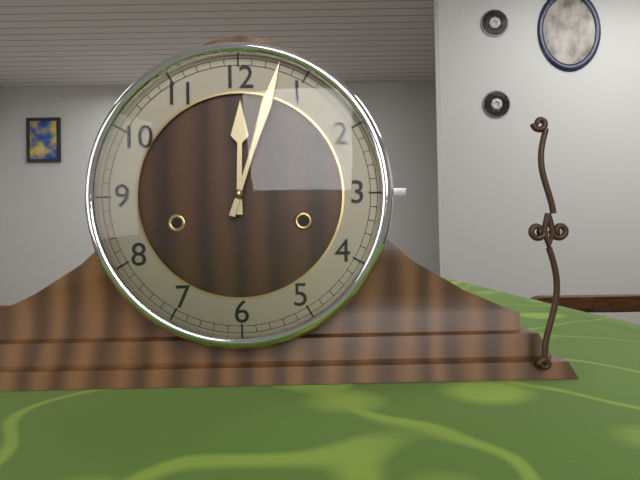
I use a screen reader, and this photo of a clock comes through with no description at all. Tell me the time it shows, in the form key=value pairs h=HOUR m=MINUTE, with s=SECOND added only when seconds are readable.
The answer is h=12 m=3
